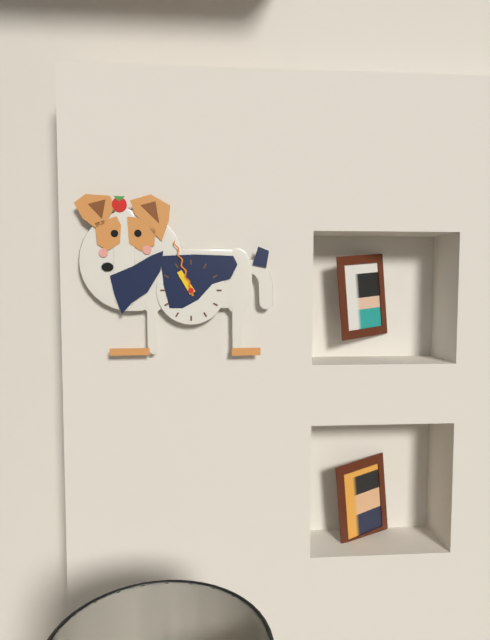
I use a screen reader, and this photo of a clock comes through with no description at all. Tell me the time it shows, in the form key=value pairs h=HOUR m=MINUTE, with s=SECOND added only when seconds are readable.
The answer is h=10 m=57
